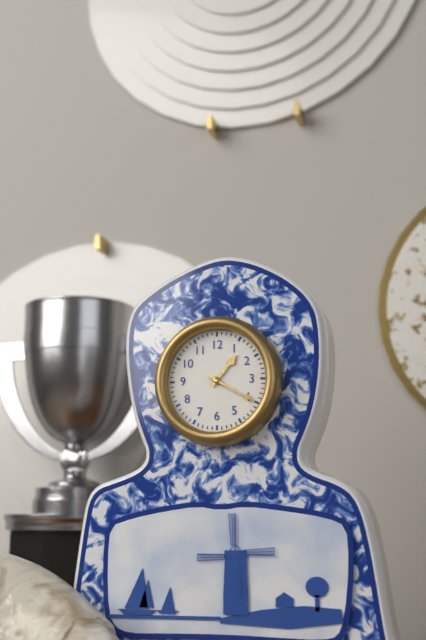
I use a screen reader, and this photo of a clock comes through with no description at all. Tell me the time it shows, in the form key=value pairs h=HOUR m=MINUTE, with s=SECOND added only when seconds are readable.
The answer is h=1 m=20
